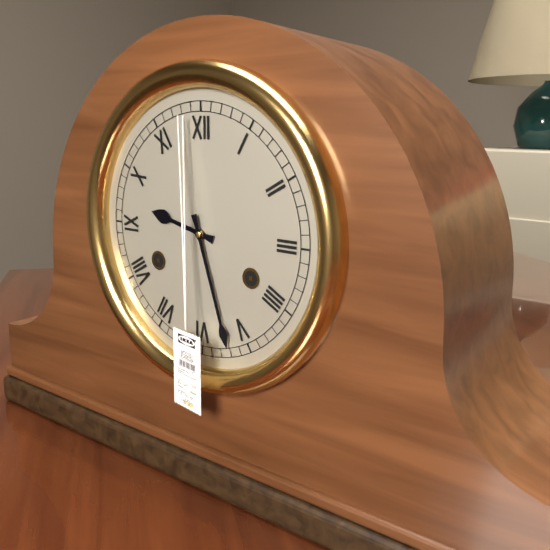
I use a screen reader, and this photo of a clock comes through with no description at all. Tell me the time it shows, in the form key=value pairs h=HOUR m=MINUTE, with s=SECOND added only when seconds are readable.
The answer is h=9 m=27
